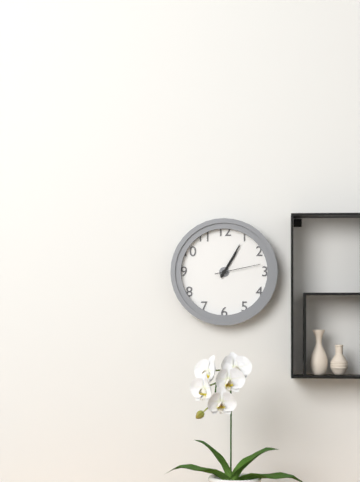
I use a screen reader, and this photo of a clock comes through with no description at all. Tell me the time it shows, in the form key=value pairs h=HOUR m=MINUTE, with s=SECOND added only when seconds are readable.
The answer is h=1 m=5
